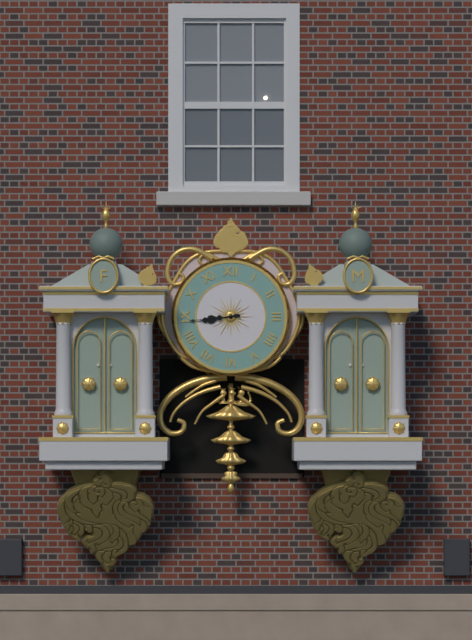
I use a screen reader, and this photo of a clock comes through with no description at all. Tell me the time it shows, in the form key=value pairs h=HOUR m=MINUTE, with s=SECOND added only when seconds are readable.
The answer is h=8 m=44
